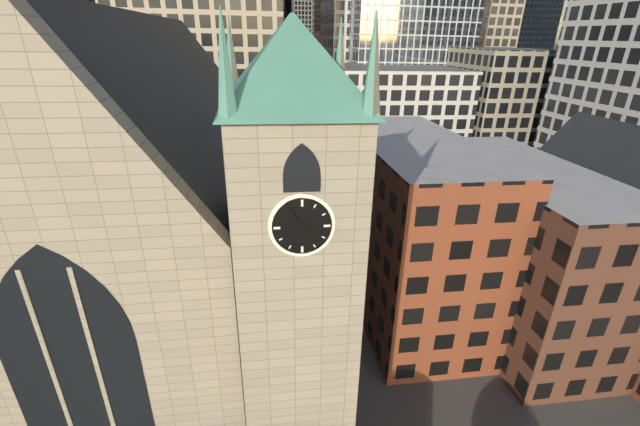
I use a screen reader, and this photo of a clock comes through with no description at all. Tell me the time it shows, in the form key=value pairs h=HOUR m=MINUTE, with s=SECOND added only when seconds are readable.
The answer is h=3 m=55
